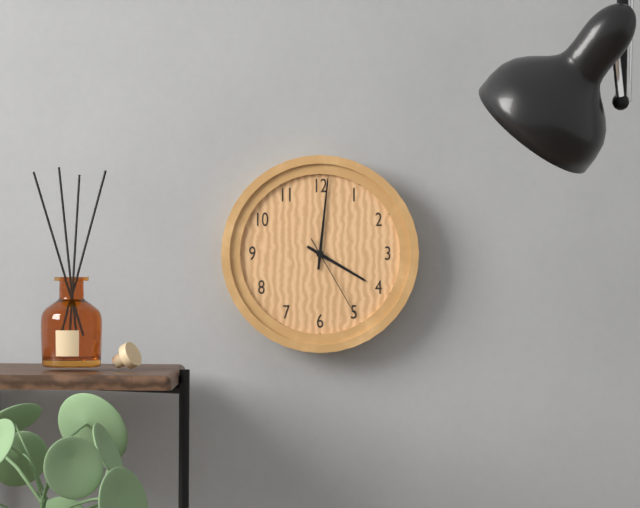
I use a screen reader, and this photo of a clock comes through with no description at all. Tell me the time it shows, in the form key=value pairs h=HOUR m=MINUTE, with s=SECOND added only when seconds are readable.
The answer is h=4 m=1 s=25
